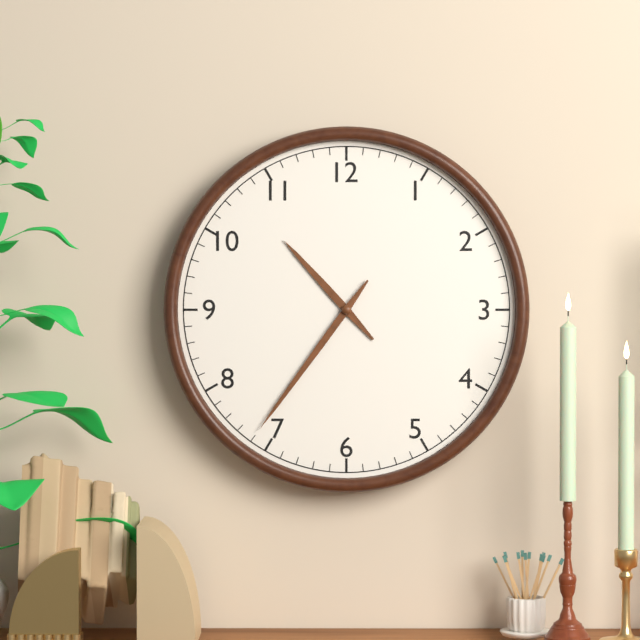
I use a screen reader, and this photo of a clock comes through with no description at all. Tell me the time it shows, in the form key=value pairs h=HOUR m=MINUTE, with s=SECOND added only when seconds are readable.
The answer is h=10 m=36
